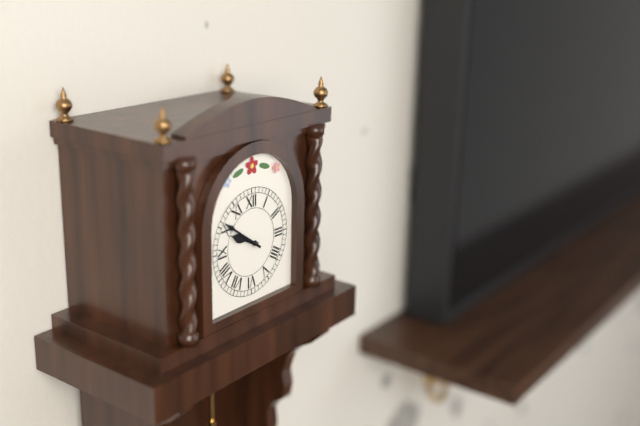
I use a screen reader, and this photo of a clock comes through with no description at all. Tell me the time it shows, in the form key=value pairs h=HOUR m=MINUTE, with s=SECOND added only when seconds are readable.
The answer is h=9 m=51
